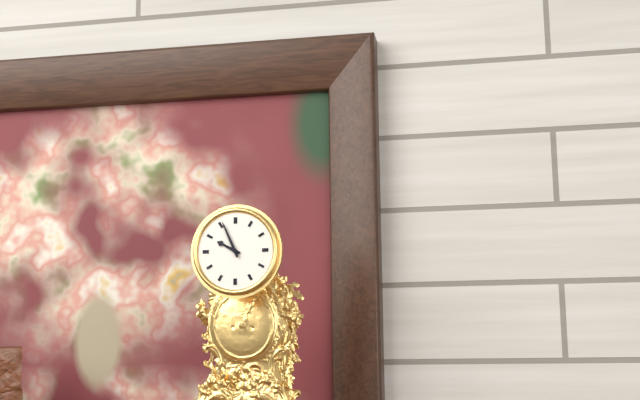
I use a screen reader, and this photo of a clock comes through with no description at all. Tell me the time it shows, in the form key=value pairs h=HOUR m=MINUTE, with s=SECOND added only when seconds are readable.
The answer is h=9 m=56
